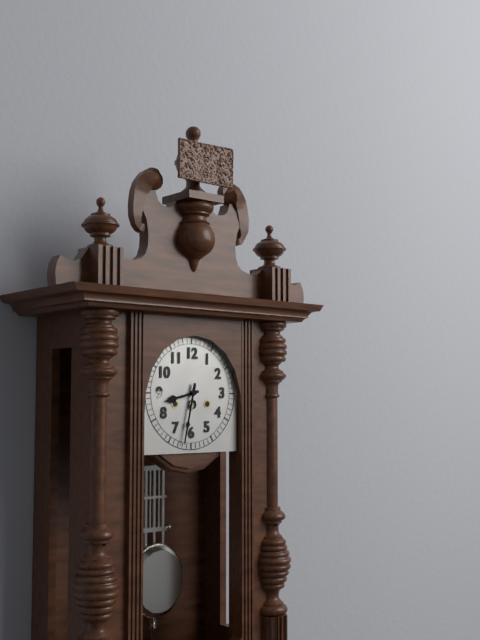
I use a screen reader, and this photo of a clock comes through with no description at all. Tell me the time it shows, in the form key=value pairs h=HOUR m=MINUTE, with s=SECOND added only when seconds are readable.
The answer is h=8 m=32
